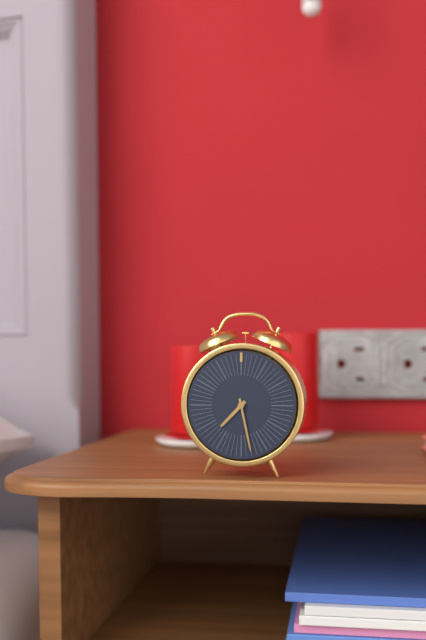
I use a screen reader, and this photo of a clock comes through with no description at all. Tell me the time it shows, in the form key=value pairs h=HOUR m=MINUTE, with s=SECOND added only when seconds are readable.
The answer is h=7 m=28
